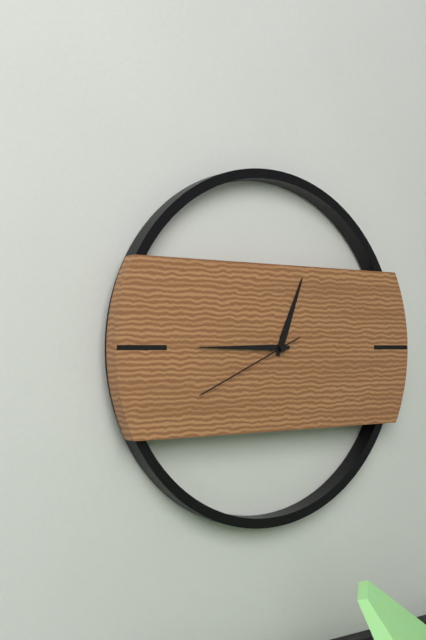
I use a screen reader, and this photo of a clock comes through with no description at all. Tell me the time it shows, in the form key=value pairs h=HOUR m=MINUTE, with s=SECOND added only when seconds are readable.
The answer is h=12 m=45 s=41
